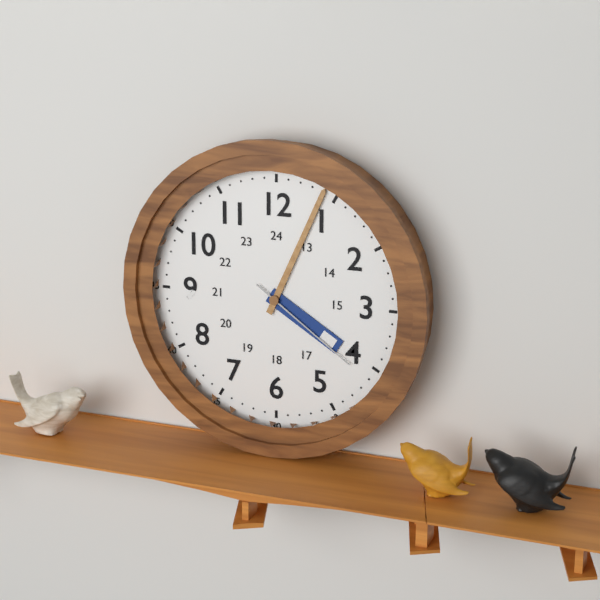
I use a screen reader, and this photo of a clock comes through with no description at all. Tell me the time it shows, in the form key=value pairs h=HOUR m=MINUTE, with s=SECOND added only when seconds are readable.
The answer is h=4 m=4 s=21
